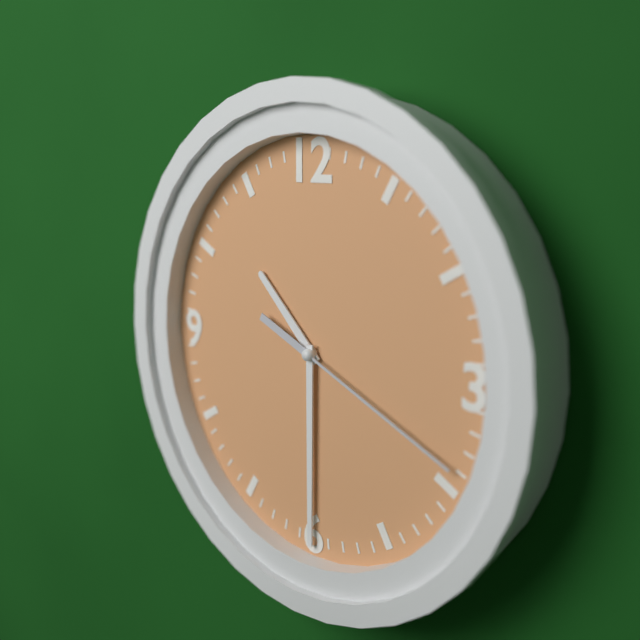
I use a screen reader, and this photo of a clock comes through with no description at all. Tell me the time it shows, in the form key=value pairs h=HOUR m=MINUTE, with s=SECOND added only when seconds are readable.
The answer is h=10 m=30 s=19
